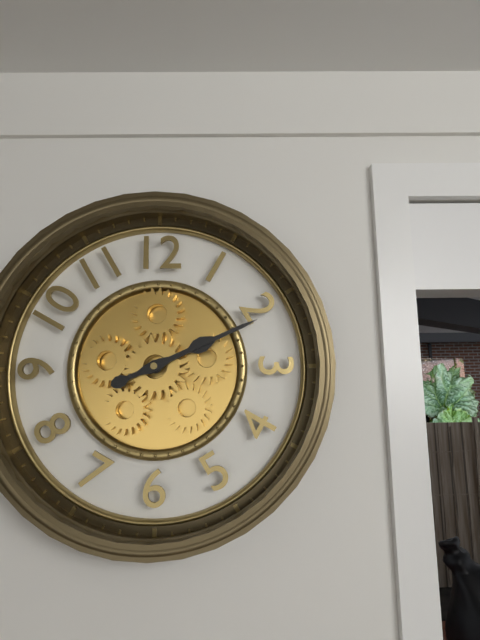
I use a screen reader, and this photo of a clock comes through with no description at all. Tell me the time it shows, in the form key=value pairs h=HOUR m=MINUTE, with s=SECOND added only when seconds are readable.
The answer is h=2 m=11
